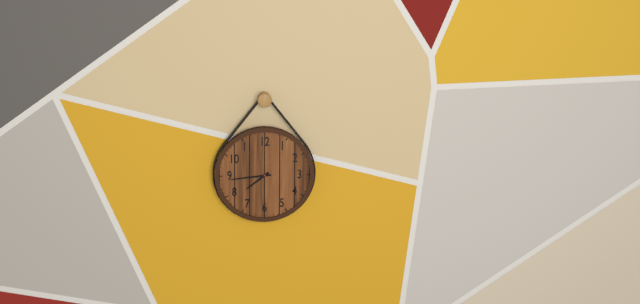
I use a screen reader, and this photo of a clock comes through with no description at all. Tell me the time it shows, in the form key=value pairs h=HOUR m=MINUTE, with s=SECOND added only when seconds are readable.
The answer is h=7 m=44
